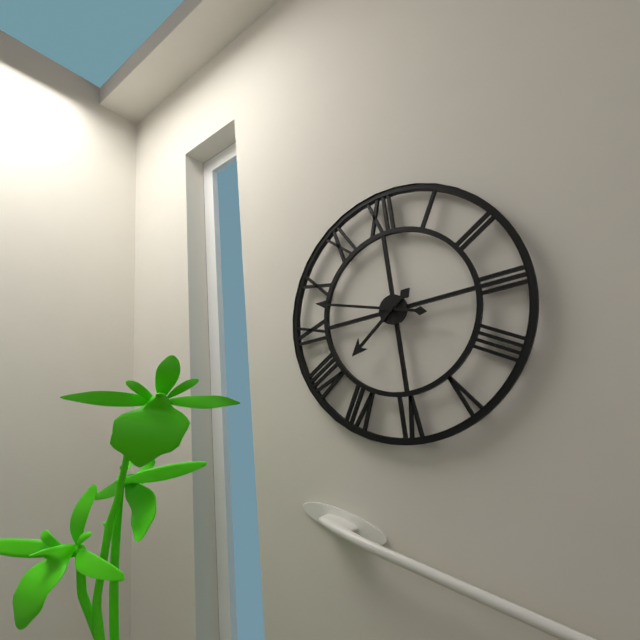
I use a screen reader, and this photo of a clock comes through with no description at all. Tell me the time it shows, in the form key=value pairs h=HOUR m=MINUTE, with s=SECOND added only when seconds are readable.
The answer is h=7 m=48
